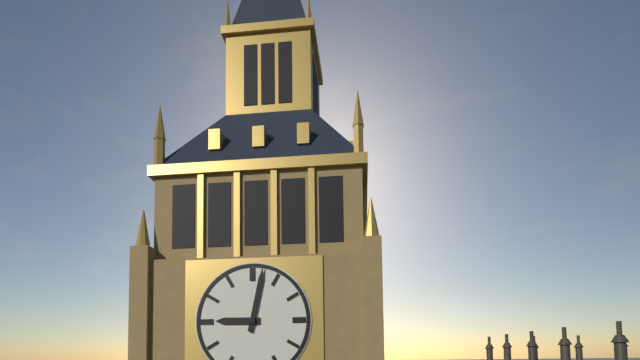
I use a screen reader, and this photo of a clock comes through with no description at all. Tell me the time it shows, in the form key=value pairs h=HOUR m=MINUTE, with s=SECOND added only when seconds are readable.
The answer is h=9 m=2
